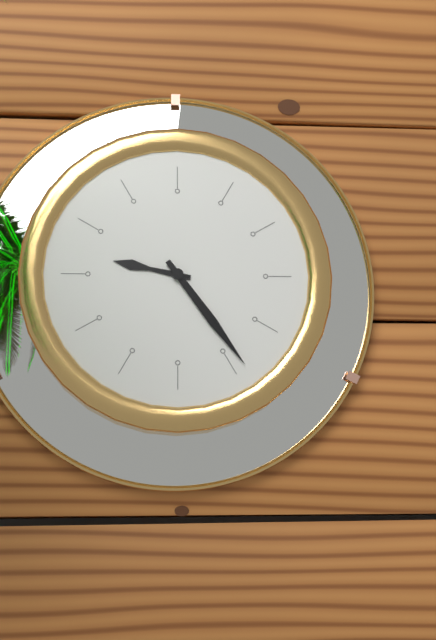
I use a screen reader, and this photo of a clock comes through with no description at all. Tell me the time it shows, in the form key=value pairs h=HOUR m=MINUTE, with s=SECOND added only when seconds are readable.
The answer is h=9 m=24
